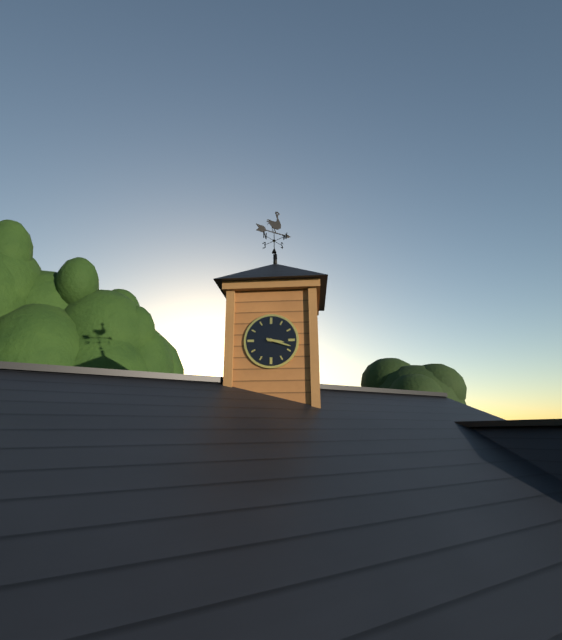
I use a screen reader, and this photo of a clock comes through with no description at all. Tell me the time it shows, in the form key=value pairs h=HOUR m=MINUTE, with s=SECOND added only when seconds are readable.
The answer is h=3 m=18
